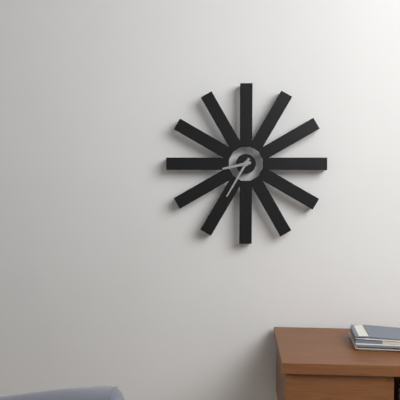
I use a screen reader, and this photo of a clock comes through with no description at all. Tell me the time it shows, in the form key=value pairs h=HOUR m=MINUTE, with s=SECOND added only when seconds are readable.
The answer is h=8 m=35
